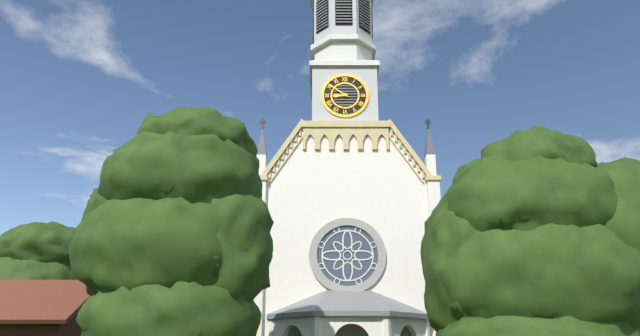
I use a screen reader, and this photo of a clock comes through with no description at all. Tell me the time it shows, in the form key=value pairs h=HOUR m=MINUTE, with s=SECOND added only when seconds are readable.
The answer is h=8 m=51
